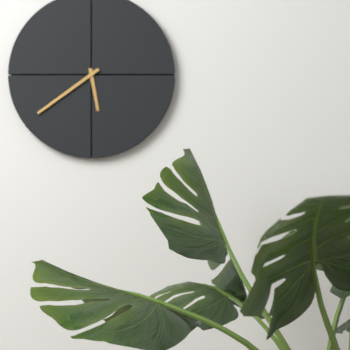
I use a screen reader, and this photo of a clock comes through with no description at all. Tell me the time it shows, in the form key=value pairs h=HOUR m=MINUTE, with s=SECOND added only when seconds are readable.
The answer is h=5 m=39
